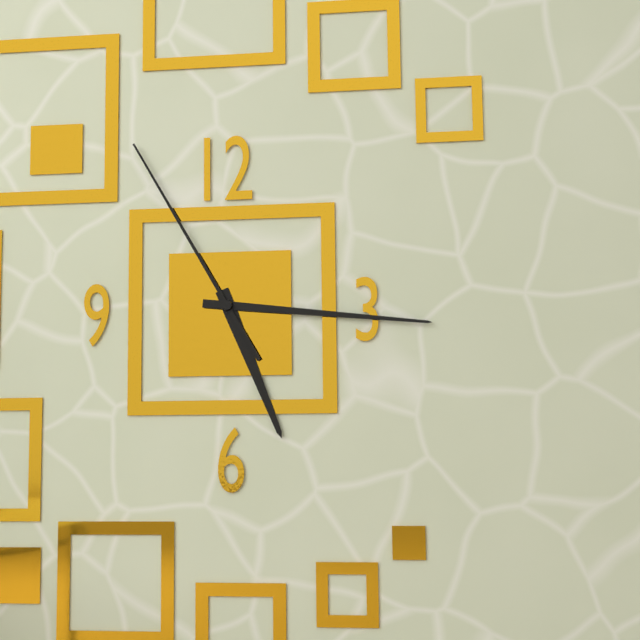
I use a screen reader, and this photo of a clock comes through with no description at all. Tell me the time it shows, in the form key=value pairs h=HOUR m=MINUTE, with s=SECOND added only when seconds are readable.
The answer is h=5 m=16 s=55
